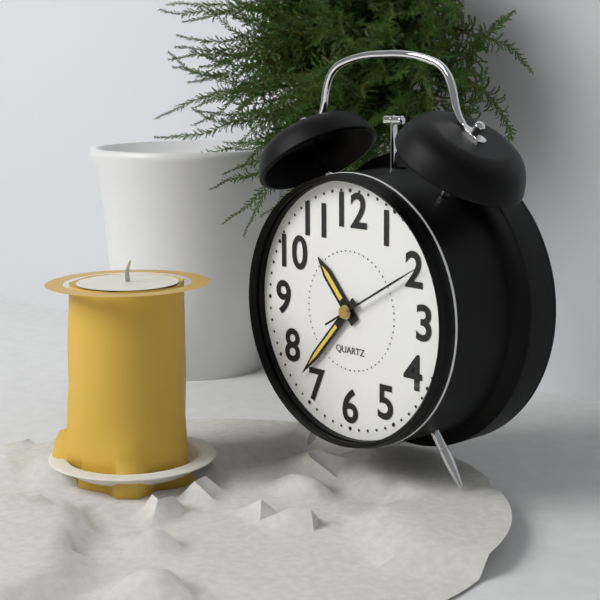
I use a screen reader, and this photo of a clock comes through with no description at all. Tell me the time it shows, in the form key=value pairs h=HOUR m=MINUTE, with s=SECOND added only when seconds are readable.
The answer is h=10 m=37 s=10
